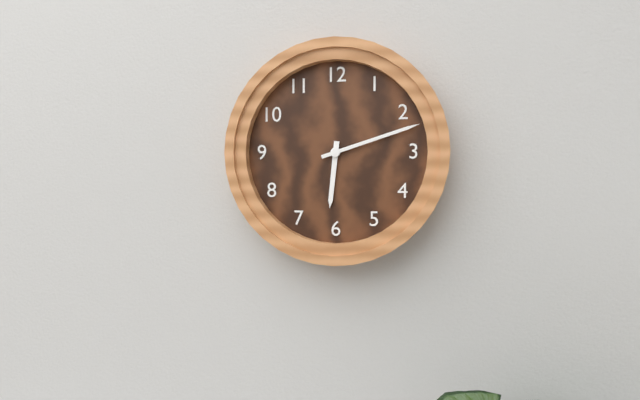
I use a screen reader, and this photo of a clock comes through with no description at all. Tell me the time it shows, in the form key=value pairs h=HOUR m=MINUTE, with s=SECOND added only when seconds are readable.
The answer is h=6 m=12
